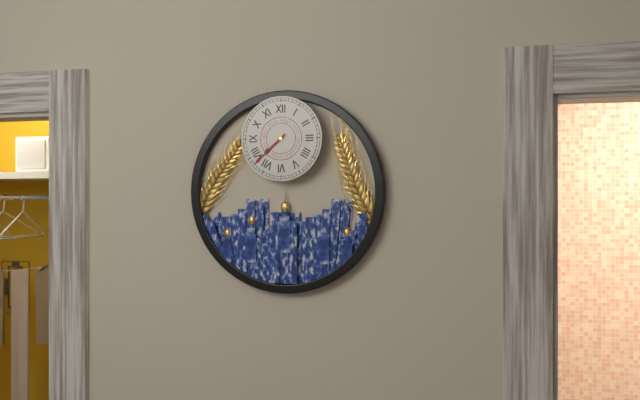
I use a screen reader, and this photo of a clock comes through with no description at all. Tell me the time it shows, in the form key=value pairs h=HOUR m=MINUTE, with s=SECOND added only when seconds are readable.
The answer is h=7 m=38
